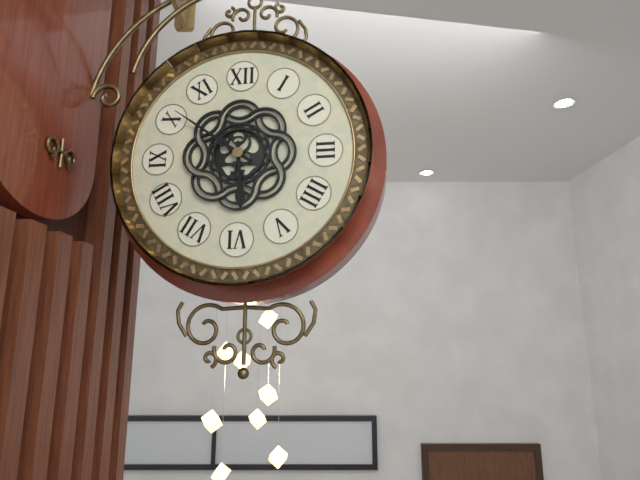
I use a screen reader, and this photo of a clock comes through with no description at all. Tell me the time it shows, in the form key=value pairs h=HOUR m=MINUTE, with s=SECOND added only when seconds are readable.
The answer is h=5 m=51
